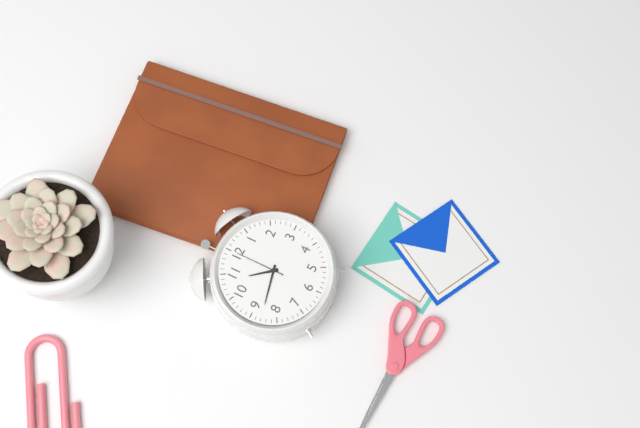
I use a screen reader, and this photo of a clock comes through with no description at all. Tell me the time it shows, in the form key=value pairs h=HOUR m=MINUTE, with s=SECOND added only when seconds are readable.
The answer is h=10 m=43 s=0
